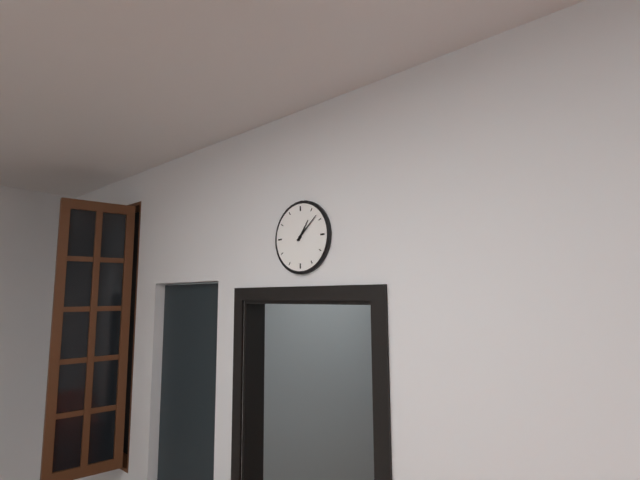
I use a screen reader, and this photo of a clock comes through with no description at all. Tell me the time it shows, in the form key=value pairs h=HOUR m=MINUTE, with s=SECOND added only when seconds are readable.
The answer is h=1 m=8
